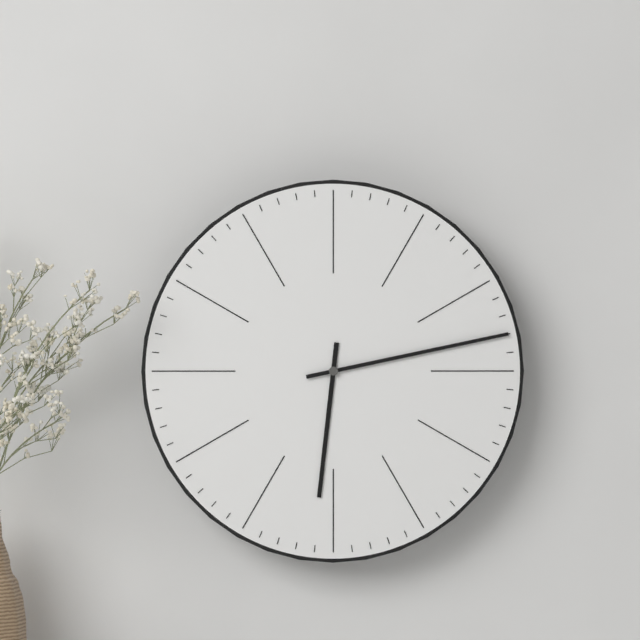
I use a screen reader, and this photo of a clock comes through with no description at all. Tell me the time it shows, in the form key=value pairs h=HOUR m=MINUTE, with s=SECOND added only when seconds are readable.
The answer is h=6 m=13
